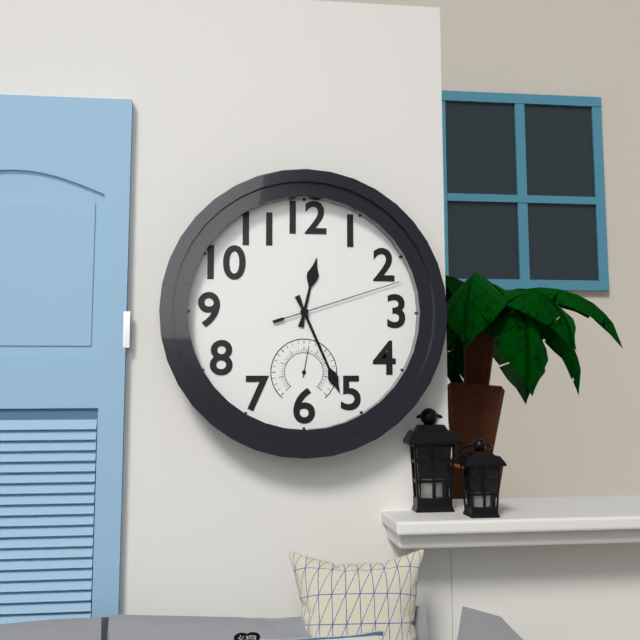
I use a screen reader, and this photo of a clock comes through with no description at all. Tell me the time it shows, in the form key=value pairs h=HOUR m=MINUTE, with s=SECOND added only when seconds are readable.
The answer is h=12 m=26 s=12
